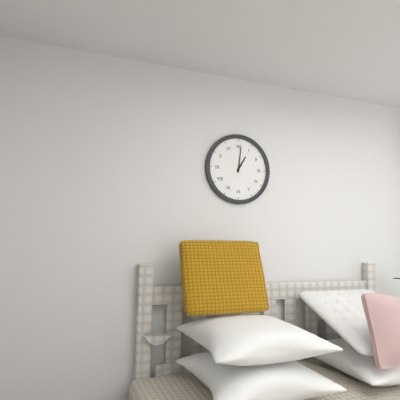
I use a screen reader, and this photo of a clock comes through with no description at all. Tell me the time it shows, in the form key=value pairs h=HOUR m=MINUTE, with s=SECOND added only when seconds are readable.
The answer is h=1 m=1
